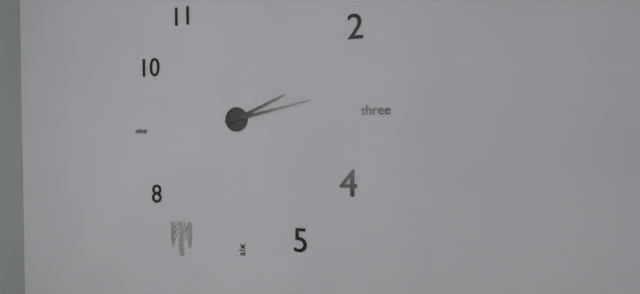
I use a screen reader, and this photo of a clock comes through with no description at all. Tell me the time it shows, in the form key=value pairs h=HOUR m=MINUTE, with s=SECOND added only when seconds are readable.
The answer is h=2 m=13
